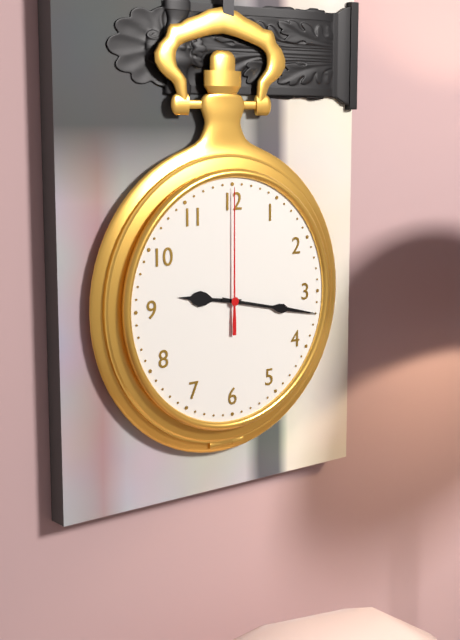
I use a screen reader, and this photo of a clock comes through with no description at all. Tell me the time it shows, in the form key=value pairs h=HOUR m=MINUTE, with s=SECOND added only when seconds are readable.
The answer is h=9 m=17 s=0
